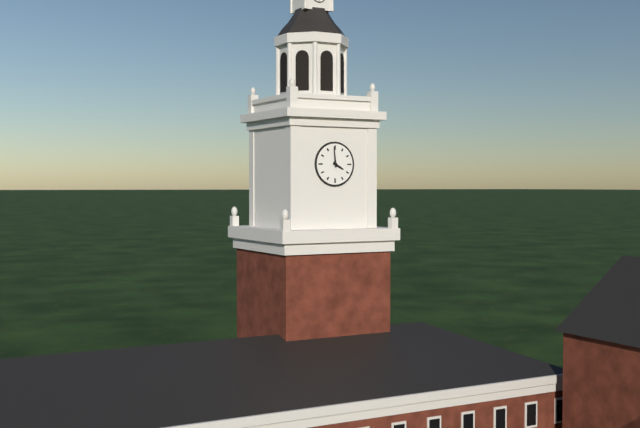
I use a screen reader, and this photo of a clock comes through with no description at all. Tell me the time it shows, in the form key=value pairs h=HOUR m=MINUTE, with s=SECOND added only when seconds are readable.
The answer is h=3 m=59
